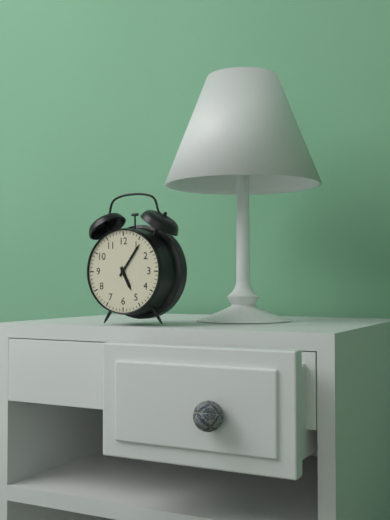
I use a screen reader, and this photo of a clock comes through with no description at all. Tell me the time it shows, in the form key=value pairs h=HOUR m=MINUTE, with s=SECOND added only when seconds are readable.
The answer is h=5 m=6
